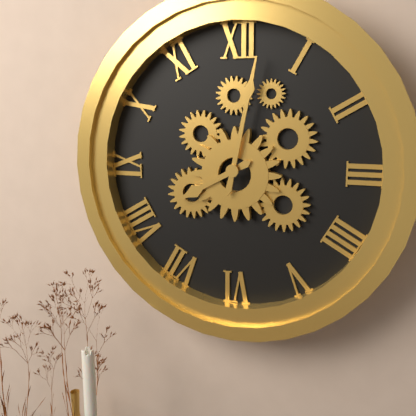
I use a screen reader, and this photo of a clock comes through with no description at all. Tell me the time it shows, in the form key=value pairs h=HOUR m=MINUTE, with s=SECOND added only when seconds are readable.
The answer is h=8 m=2
